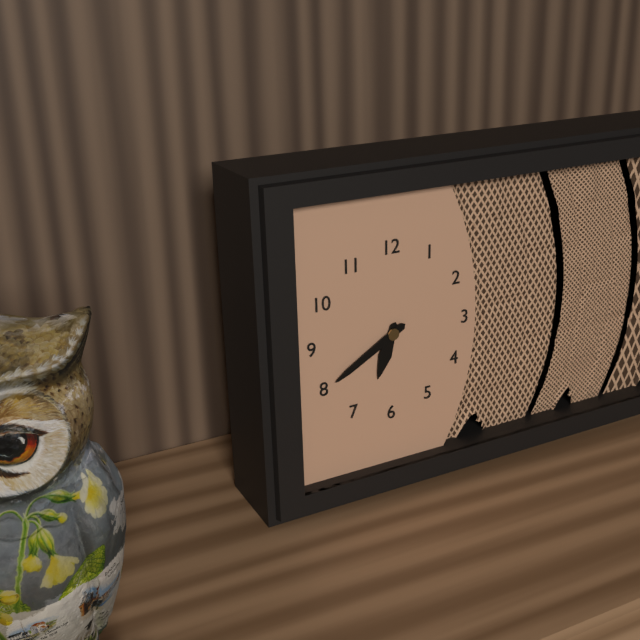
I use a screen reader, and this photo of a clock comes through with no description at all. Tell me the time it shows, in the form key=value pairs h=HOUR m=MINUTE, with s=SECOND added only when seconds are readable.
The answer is h=6 m=40
